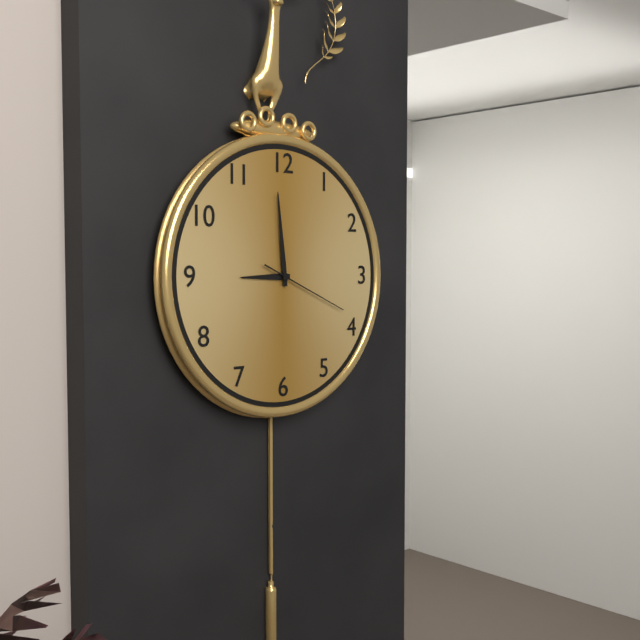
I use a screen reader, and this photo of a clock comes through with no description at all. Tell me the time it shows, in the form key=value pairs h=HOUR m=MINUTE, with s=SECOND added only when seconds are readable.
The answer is h=8 m=59 s=19
